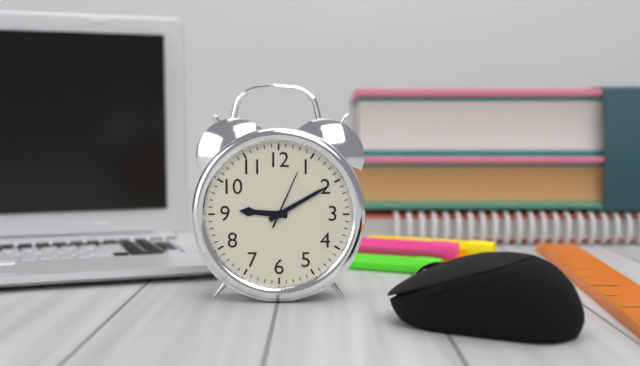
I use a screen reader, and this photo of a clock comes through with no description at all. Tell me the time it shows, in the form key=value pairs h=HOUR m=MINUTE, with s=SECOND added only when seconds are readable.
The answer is h=9 m=10 s=4
